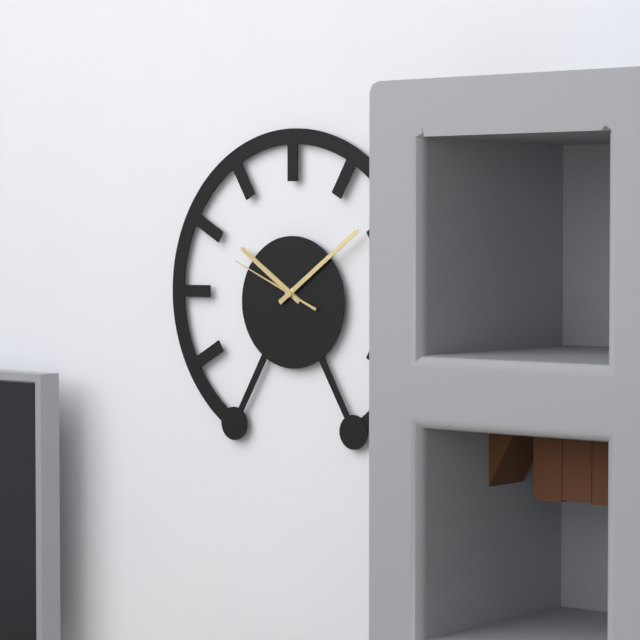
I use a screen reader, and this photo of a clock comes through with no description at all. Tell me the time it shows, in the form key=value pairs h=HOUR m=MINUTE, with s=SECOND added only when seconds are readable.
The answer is h=10 m=9 s=49
